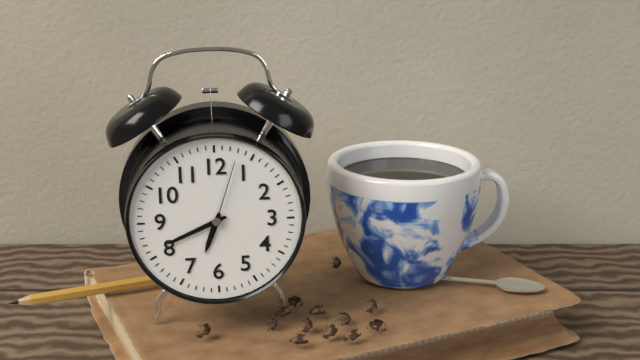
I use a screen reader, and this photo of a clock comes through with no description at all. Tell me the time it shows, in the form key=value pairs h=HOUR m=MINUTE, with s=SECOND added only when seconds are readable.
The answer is h=6 m=41 s=3
